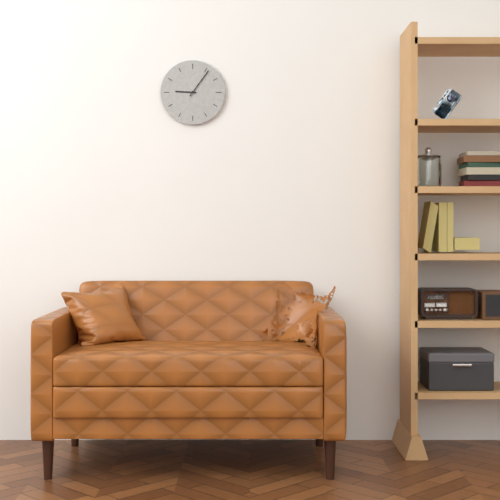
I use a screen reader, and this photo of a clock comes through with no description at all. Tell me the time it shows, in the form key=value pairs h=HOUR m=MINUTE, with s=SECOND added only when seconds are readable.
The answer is h=9 m=6
